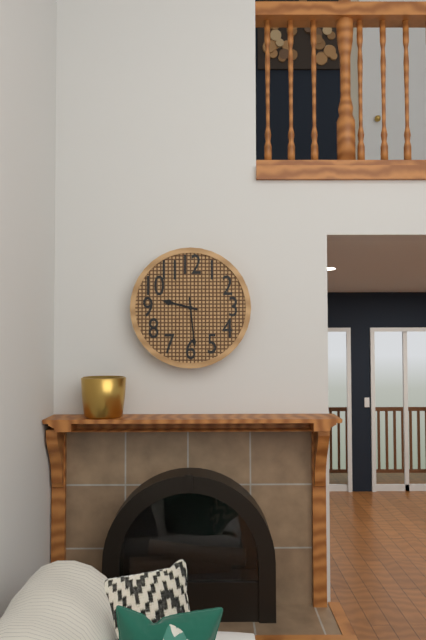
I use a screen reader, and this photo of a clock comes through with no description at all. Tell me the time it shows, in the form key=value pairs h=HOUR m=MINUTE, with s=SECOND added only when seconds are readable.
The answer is h=9 m=29
